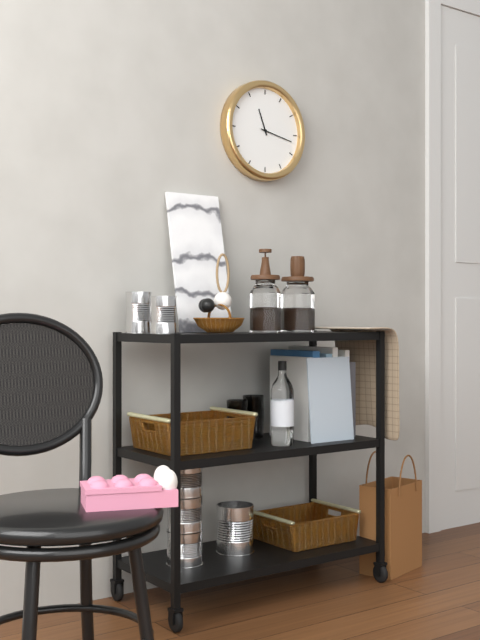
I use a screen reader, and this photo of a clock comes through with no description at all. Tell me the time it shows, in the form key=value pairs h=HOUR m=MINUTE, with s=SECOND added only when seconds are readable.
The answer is h=11 m=17
